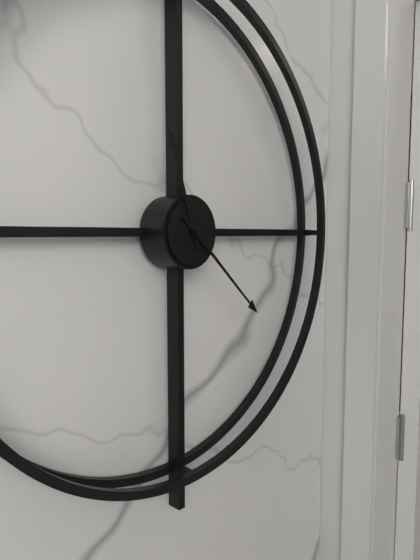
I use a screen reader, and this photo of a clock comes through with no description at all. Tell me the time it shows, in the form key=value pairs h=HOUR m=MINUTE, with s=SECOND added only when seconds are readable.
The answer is h=11 m=22
